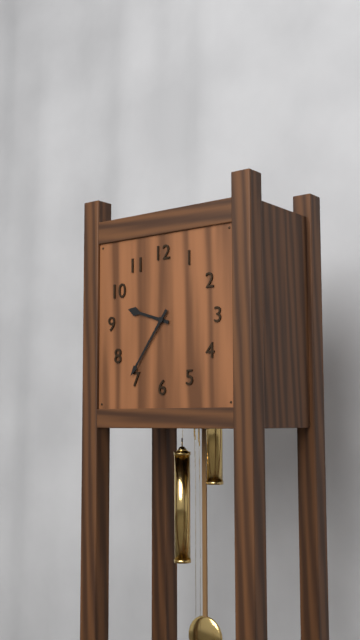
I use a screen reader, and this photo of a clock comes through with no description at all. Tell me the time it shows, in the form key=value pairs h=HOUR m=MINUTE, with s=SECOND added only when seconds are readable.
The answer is h=9 m=36
